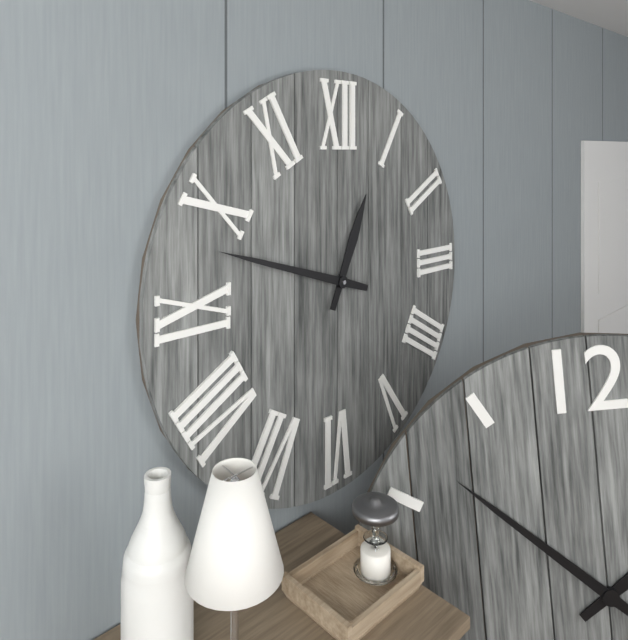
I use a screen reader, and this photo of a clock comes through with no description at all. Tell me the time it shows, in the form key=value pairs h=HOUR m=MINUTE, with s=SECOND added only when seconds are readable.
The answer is h=12 m=48
